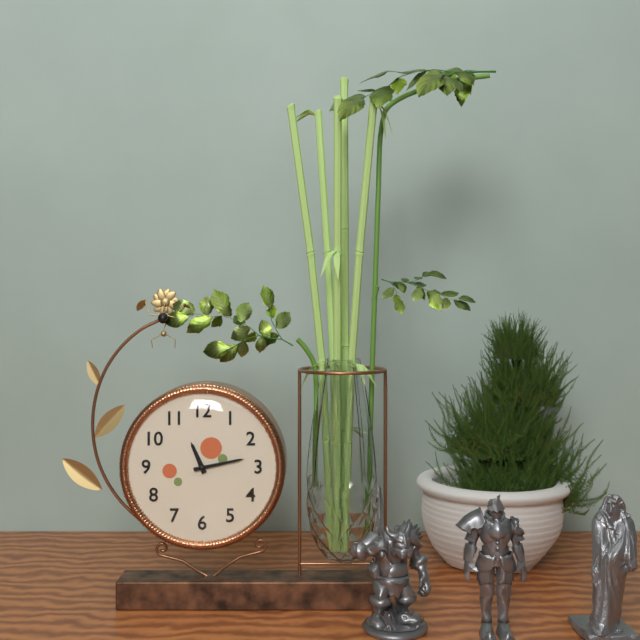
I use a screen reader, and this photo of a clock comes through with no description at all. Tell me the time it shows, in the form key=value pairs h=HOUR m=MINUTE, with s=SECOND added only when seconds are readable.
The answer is h=11 m=13
